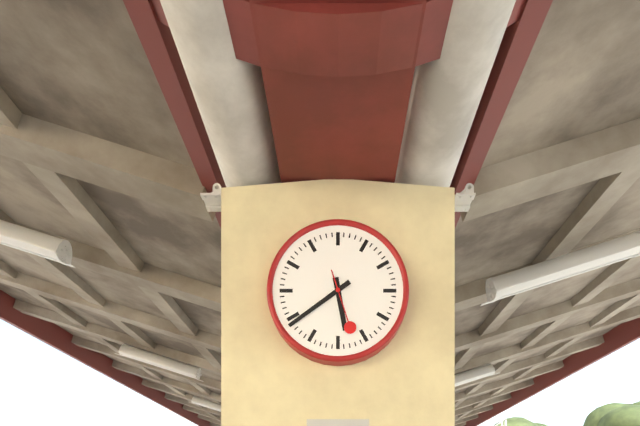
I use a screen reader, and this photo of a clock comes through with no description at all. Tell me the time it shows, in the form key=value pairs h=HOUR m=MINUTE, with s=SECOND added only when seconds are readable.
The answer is h=5 m=39 s=27
